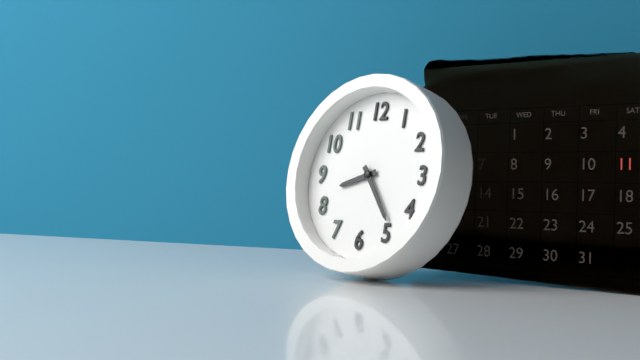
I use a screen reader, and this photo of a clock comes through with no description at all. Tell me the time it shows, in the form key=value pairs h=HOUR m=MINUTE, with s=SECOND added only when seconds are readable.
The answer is h=8 m=24
